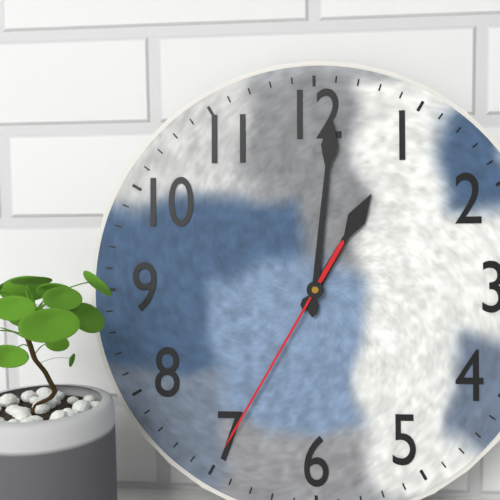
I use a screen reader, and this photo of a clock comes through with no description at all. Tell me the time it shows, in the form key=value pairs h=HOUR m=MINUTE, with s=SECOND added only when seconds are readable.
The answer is h=1 m=1 s=35
